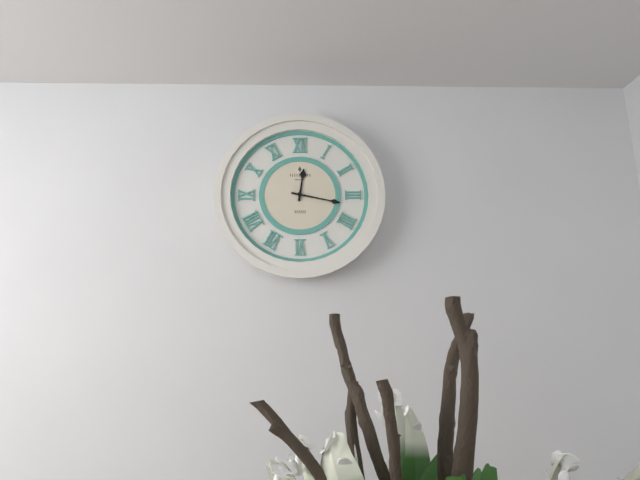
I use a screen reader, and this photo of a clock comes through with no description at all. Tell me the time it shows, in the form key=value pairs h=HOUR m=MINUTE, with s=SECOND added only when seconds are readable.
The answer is h=12 m=17
